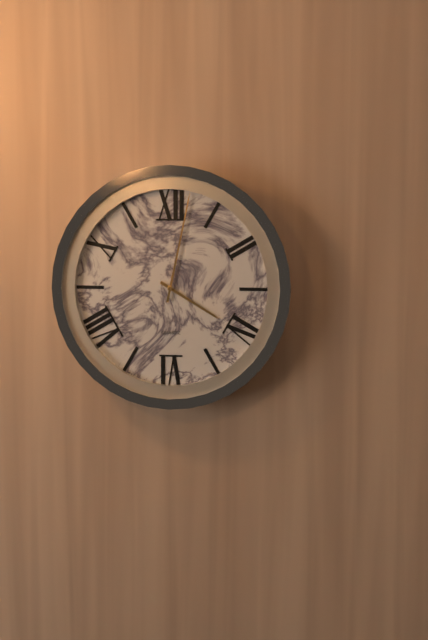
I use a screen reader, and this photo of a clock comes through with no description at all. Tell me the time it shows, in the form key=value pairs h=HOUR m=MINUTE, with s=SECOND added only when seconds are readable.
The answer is h=4 m=2
